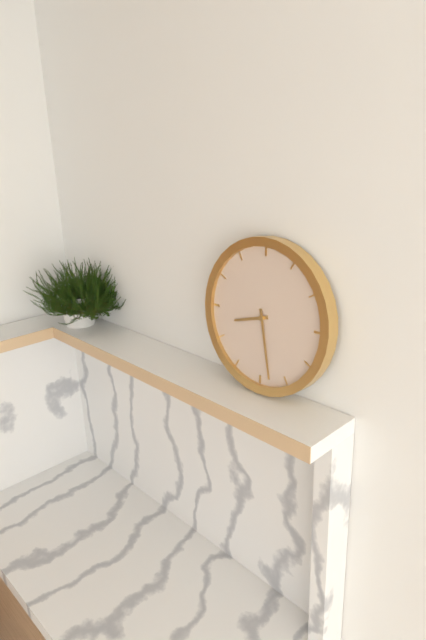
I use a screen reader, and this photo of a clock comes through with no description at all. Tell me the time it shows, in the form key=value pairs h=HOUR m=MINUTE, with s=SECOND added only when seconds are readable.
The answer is h=8 m=28
